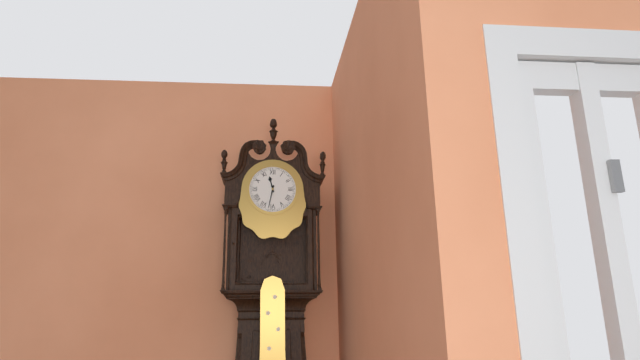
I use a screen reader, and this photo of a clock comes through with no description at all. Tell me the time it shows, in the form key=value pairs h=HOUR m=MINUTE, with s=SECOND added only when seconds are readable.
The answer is h=11 m=32
